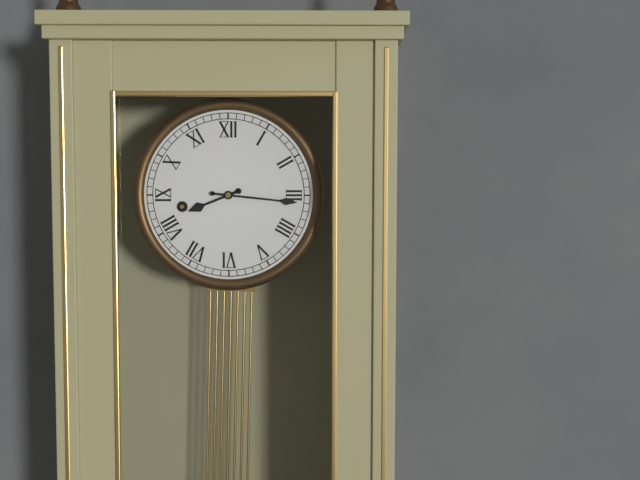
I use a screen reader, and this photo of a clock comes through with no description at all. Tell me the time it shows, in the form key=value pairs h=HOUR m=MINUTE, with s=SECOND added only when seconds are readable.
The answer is h=8 m=16
